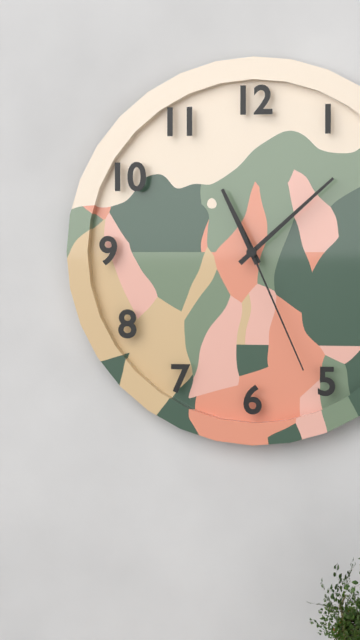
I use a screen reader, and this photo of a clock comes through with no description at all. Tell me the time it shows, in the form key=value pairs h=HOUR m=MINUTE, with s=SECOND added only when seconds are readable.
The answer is h=11 m=8 s=26
